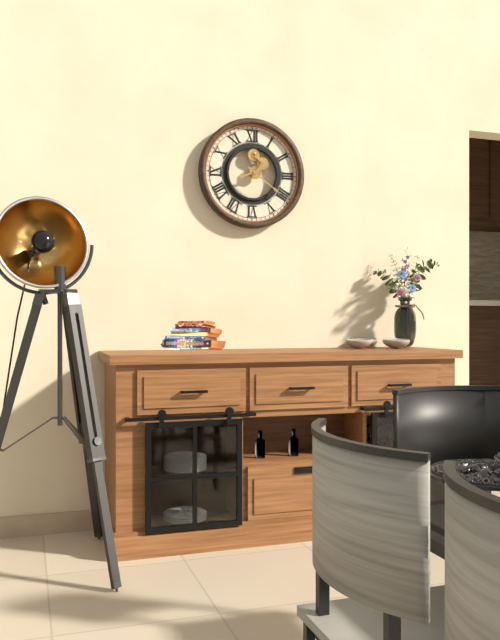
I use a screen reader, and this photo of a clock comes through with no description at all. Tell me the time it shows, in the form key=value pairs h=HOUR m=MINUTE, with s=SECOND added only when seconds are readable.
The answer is h=8 m=21
